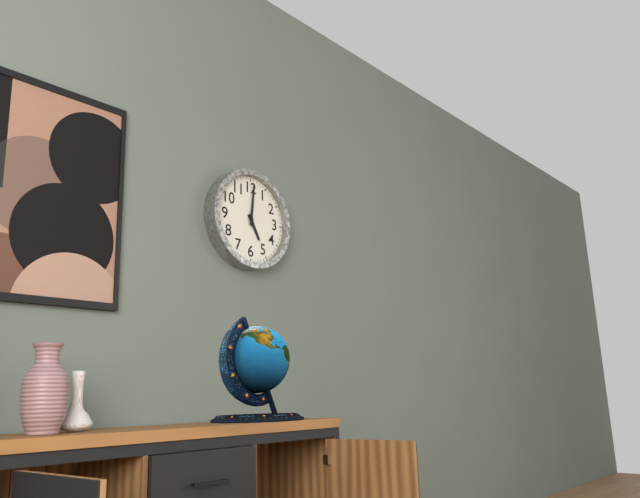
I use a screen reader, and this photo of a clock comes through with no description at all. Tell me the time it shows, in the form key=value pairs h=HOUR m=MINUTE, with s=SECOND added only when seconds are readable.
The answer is h=5 m=1
